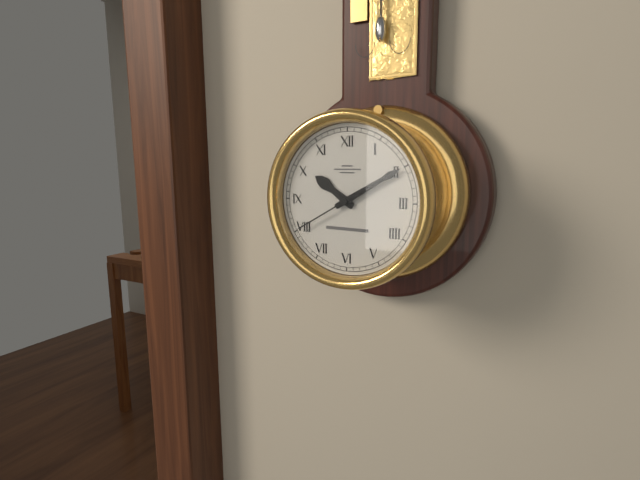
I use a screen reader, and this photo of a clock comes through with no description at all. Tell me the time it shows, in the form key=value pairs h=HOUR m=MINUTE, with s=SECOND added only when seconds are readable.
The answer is h=10 m=10 s=40
